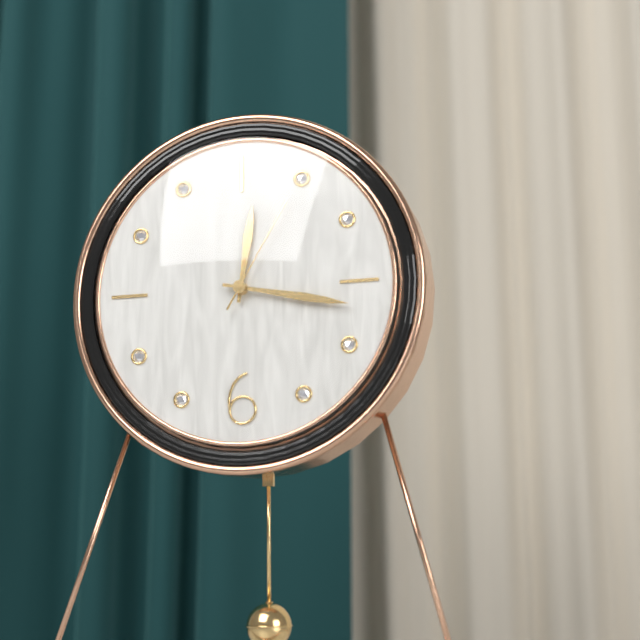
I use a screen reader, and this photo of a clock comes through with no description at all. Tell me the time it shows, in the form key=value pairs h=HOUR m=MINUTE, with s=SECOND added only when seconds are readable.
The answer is h=12 m=17 s=5
